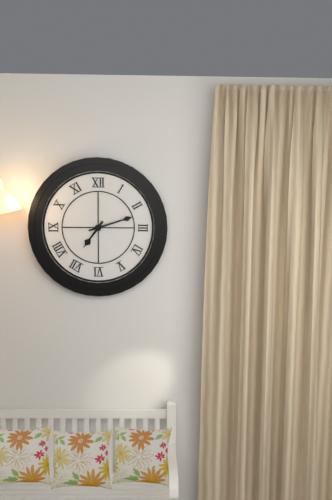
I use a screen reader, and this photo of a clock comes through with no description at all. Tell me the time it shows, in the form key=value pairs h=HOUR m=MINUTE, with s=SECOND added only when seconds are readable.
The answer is h=7 m=12
